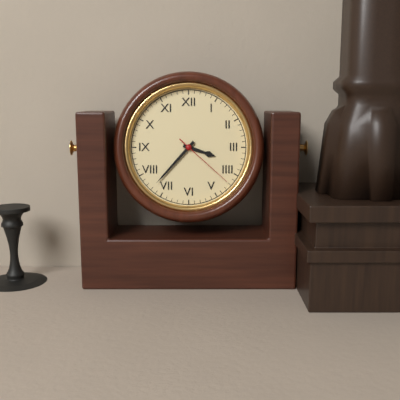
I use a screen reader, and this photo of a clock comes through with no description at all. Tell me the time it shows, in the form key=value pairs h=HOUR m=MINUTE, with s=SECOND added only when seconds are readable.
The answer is h=3 m=37 s=22
